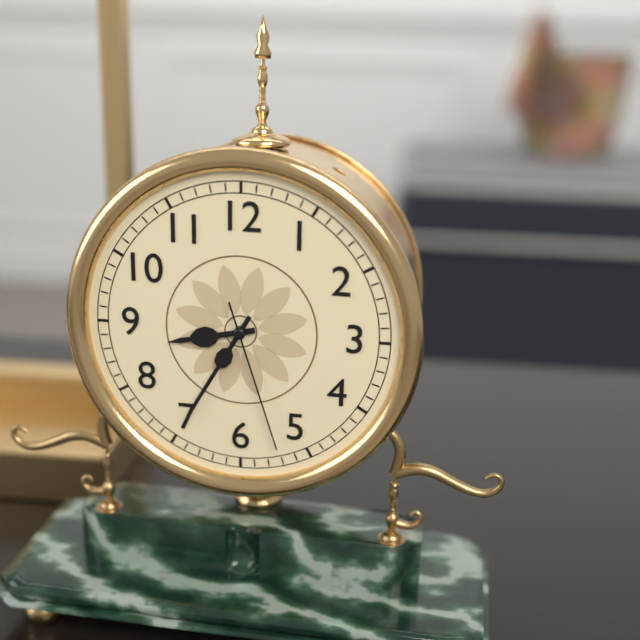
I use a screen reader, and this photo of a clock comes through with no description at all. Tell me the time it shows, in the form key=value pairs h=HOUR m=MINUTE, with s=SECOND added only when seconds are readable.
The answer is h=8 m=35 s=27
